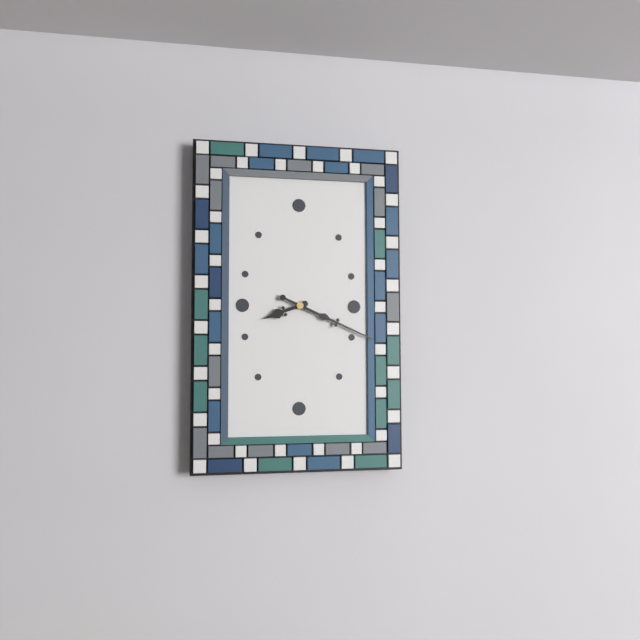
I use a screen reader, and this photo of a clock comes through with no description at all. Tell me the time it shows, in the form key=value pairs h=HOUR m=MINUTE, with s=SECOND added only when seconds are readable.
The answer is h=8 m=19
